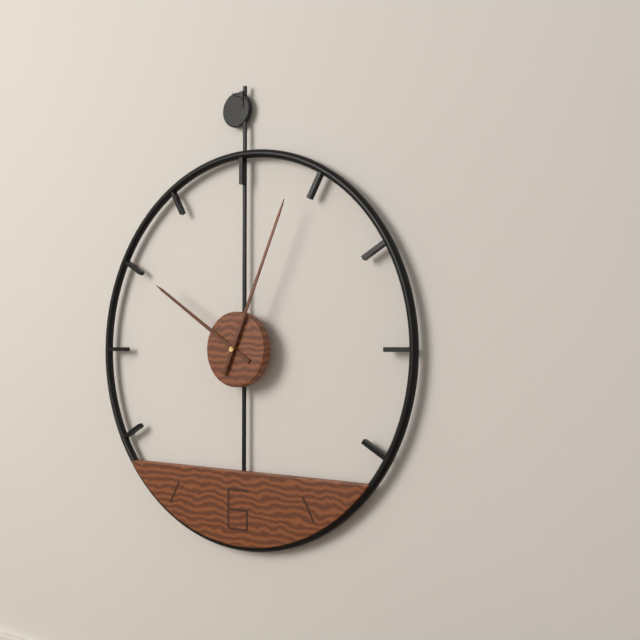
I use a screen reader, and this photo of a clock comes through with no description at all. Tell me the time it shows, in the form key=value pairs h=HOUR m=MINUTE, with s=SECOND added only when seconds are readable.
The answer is h=10 m=4
